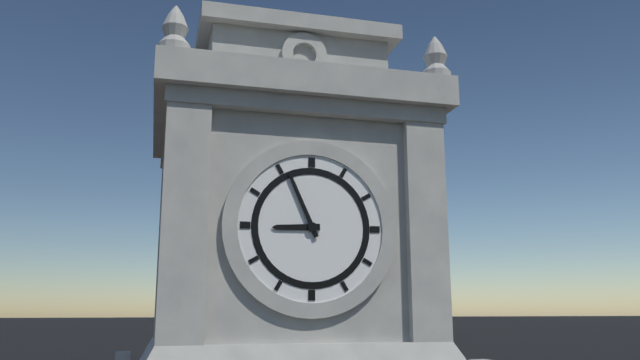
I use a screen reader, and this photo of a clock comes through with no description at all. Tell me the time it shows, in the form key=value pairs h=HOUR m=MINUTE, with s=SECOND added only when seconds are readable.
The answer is h=8 m=56
